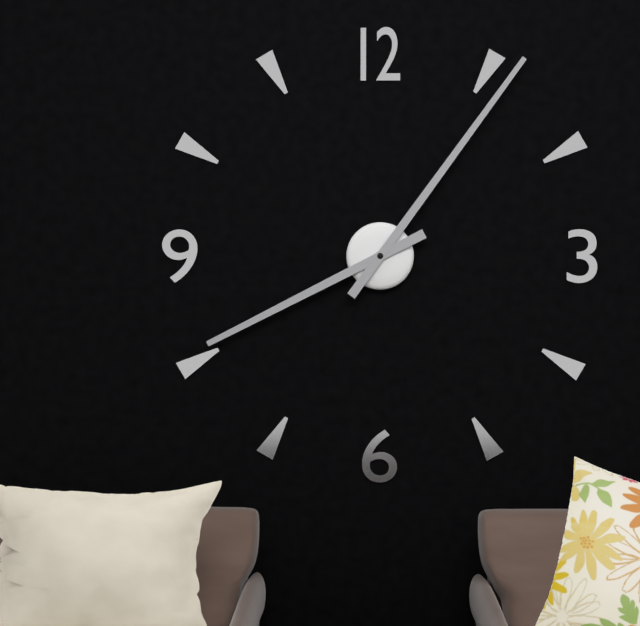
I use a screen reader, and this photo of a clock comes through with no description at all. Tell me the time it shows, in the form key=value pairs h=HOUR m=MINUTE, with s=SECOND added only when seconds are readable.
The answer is h=8 m=6
